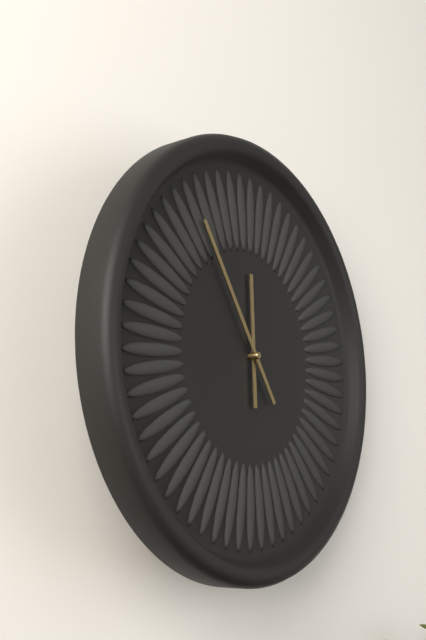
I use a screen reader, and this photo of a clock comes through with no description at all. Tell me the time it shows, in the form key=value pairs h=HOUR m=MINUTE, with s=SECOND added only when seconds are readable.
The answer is h=11 m=54
